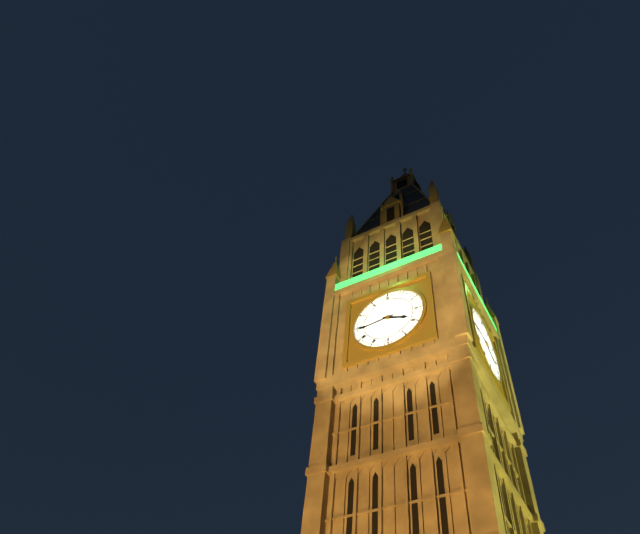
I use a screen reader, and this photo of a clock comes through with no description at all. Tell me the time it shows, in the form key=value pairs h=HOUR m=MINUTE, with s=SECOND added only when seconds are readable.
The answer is h=3 m=44
